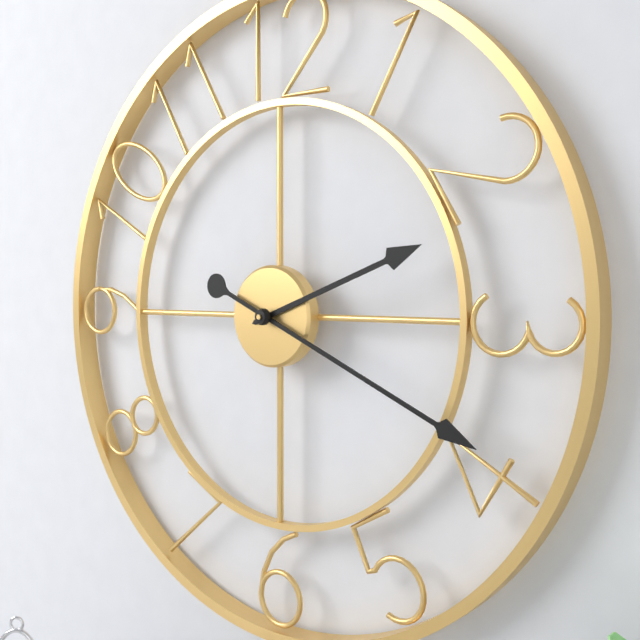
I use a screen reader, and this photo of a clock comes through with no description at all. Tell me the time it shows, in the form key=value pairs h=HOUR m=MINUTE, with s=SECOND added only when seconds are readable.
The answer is h=2 m=19
